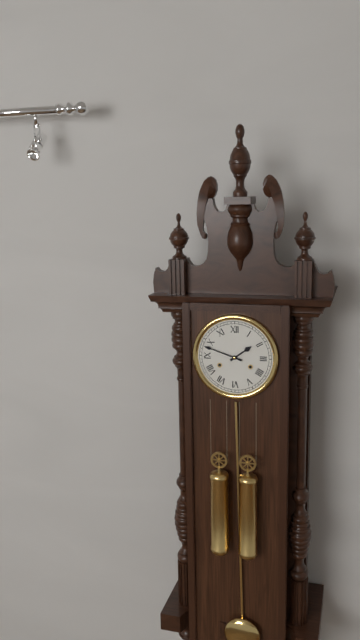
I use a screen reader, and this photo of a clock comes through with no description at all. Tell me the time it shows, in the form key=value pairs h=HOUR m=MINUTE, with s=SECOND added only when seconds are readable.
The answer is h=1 m=48
